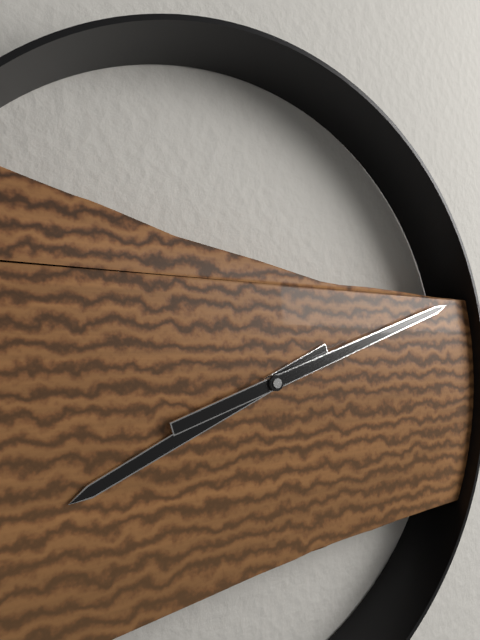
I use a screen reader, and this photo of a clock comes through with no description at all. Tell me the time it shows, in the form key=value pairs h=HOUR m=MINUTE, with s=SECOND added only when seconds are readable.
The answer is h=8 m=12
